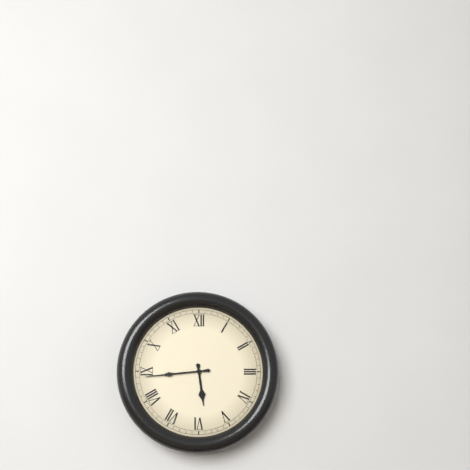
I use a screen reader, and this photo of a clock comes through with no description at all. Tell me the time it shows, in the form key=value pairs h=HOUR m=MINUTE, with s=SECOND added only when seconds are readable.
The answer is h=5 m=44
